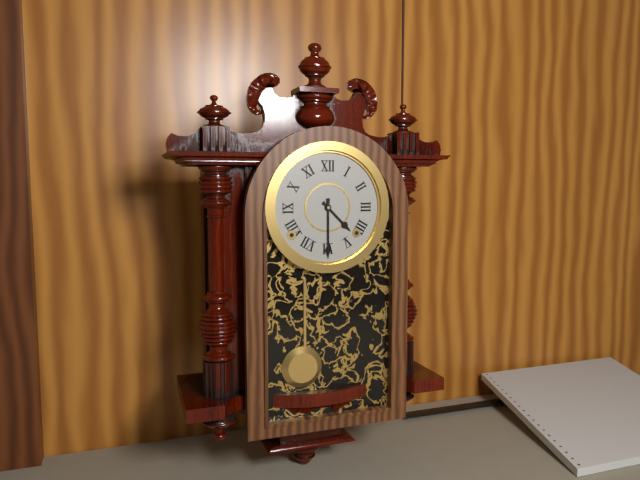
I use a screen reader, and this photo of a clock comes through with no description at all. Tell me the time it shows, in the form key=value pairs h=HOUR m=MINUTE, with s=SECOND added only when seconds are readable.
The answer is h=4 m=30
